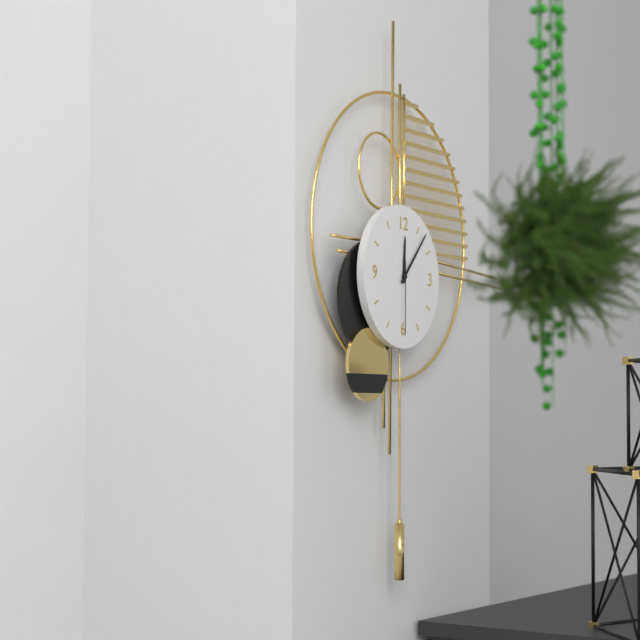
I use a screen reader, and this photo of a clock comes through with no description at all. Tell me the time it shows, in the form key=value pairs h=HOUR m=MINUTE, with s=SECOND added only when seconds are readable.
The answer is h=12 m=7 s=30
